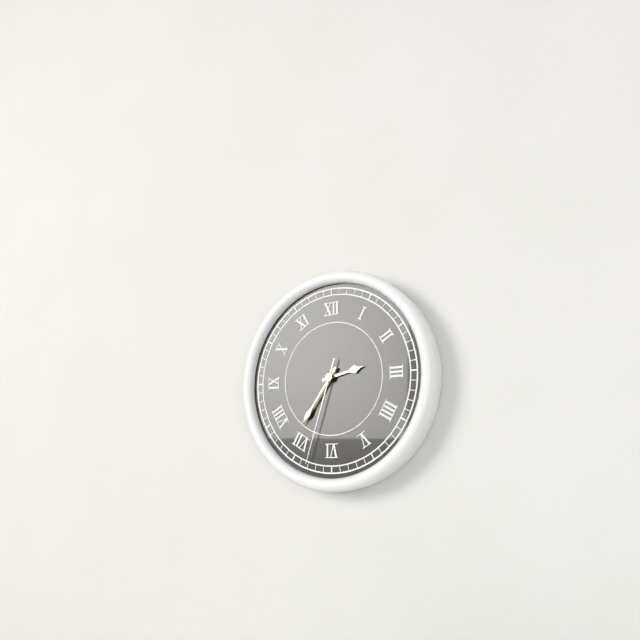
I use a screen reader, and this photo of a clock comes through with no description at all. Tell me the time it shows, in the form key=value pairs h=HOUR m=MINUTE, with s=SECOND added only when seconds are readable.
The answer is h=2 m=36 s=33
